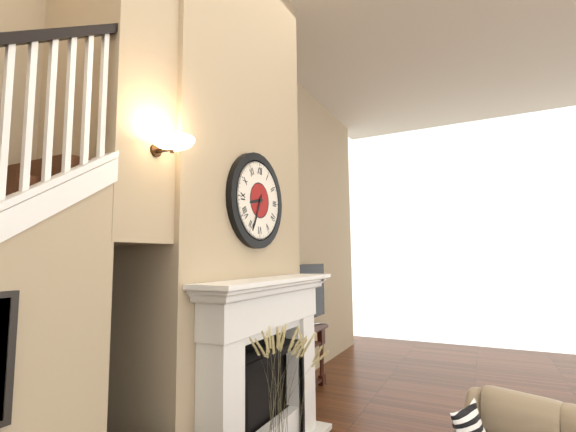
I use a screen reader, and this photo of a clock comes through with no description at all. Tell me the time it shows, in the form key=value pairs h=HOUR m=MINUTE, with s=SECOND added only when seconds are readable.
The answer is h=8 m=34
